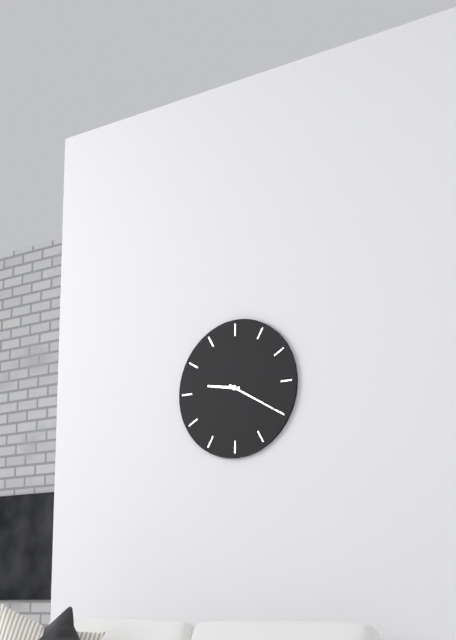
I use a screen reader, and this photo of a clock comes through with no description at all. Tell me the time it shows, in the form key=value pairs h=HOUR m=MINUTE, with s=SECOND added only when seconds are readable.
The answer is h=9 m=20
